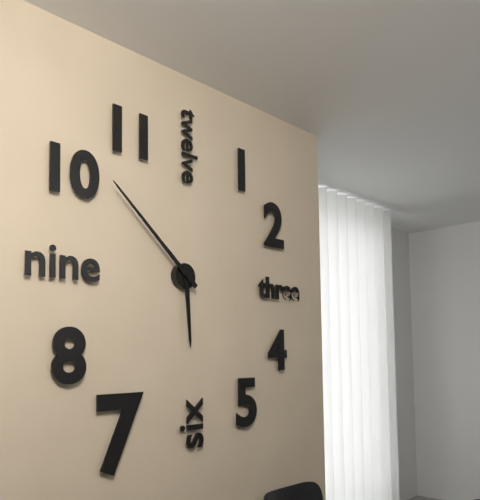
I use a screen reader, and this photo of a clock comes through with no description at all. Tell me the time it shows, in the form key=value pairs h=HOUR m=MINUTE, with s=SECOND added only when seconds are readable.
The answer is h=5 m=52
